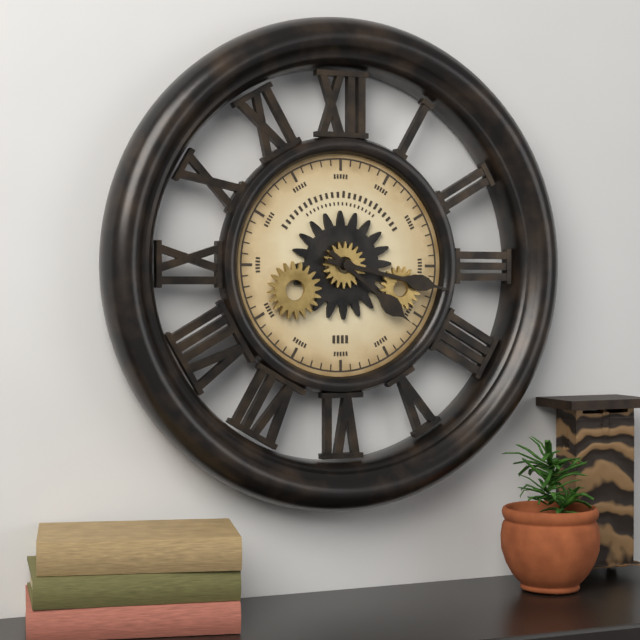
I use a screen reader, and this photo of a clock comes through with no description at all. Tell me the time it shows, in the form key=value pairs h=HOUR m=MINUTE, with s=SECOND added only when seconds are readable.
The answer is h=4 m=17
